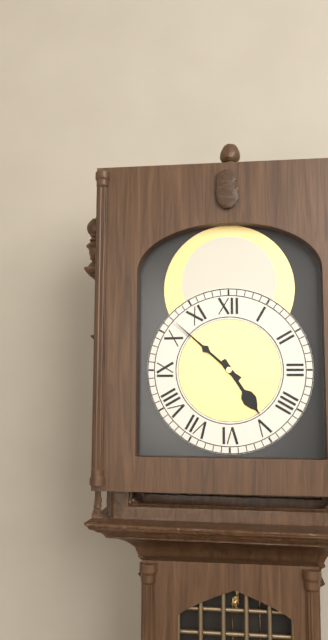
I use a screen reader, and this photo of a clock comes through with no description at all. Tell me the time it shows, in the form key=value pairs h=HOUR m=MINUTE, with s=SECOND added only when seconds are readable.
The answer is h=4 m=52
